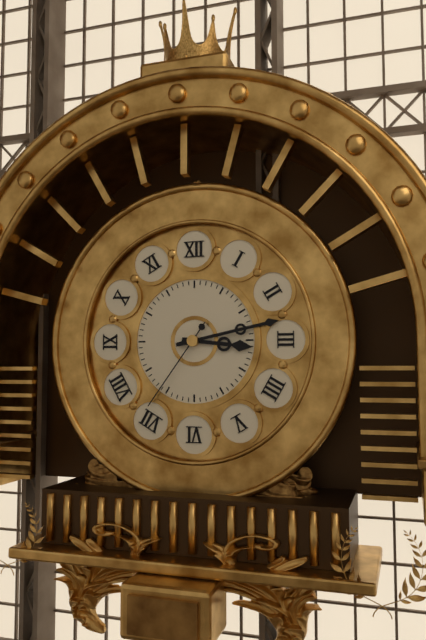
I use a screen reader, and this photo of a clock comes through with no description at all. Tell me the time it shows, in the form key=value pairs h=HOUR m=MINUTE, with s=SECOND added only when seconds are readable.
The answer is h=3 m=13 s=36
